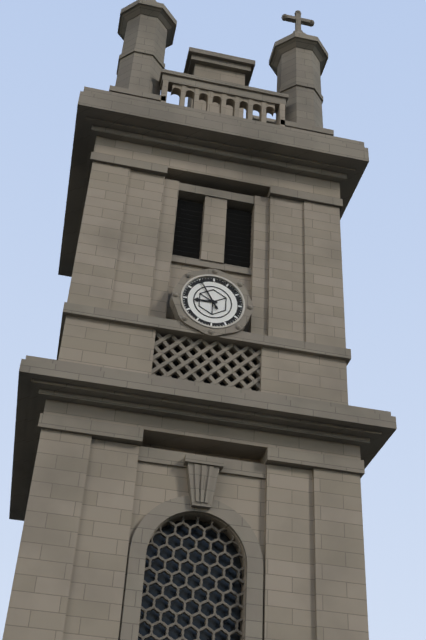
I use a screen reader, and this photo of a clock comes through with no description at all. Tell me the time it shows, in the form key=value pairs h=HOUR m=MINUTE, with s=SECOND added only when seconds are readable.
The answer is h=8 m=55
